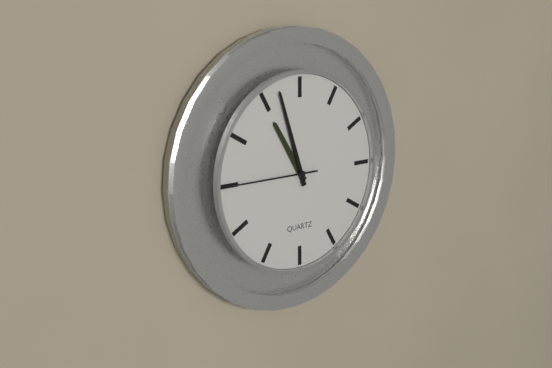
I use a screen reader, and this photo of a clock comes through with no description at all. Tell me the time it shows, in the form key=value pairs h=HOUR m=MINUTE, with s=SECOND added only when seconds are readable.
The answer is h=10 m=57 s=45
